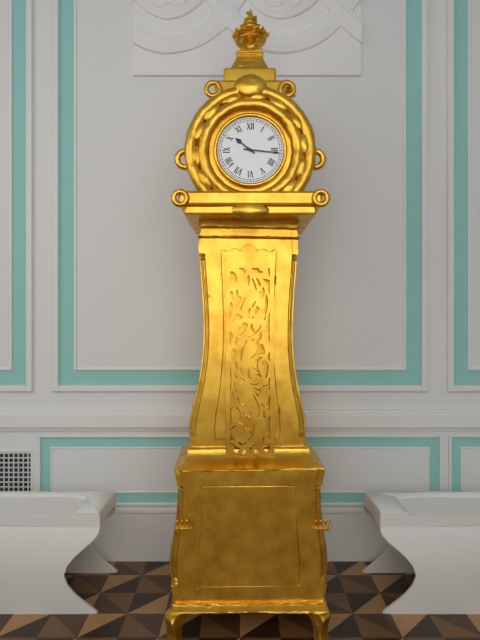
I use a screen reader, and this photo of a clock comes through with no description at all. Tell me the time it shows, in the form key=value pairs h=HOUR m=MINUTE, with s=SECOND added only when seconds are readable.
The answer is h=10 m=16
